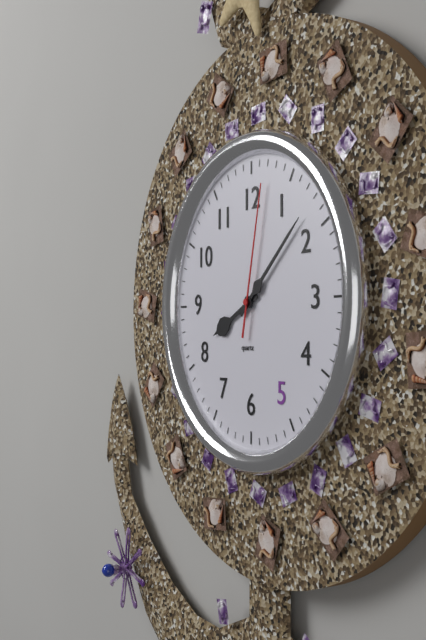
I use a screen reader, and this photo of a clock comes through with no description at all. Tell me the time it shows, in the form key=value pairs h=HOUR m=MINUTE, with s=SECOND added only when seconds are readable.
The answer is h=8 m=8 s=2
